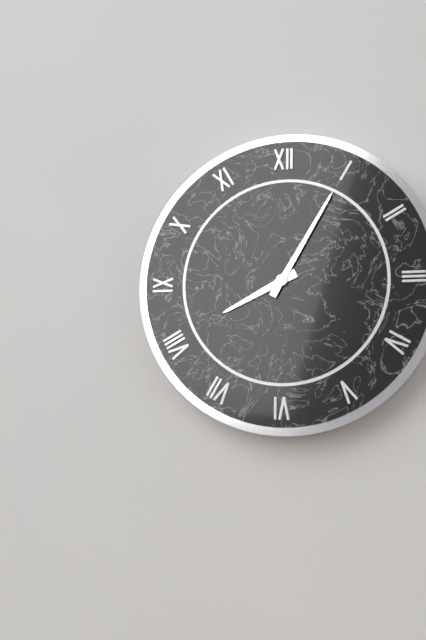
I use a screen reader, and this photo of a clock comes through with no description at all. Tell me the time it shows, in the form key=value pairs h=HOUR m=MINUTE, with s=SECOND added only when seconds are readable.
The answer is h=8 m=5
